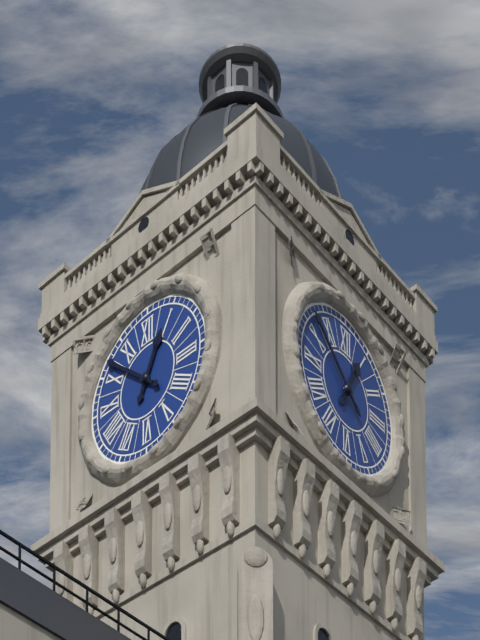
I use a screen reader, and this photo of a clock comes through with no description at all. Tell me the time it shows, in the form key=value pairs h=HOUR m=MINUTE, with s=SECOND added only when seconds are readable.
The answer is h=12 m=52
